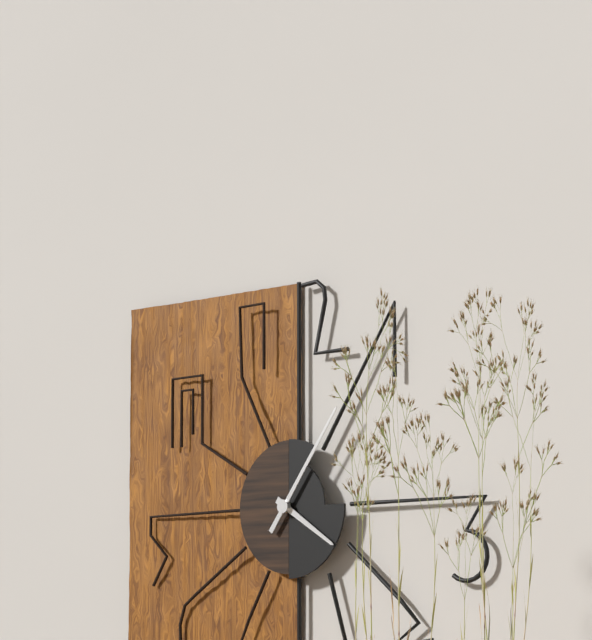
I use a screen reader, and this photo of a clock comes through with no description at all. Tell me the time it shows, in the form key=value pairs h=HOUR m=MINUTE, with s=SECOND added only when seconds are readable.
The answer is h=4 m=6
